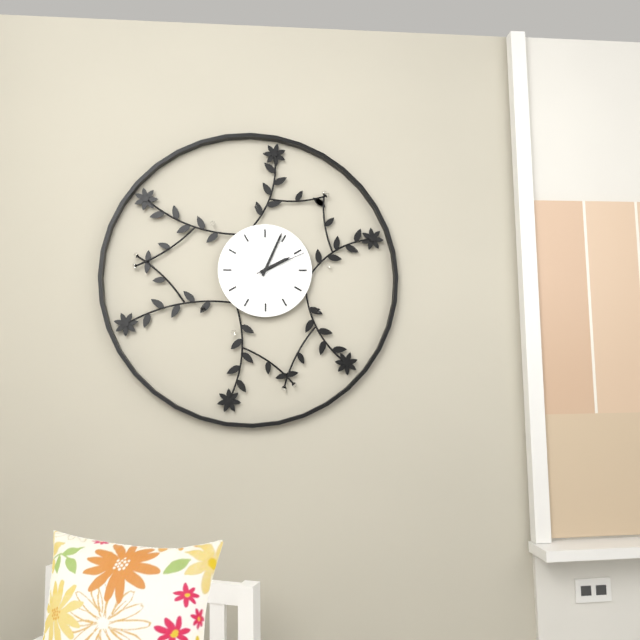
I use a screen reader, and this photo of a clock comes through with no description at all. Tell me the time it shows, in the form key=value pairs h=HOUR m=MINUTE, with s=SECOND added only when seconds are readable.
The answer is h=2 m=4 s=11
